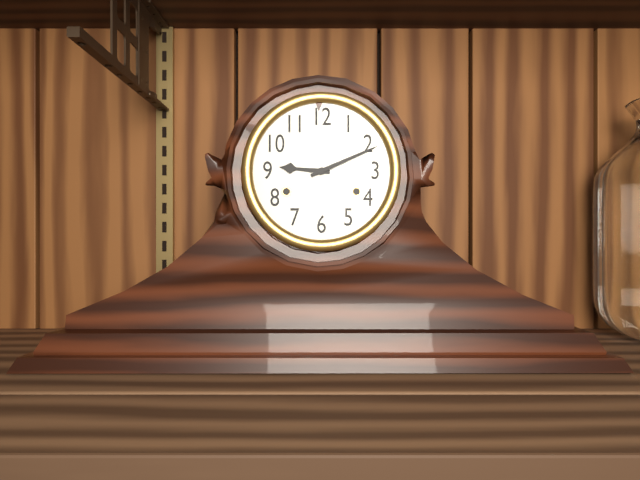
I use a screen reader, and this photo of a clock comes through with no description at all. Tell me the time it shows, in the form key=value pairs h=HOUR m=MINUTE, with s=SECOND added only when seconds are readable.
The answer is h=9 m=11
